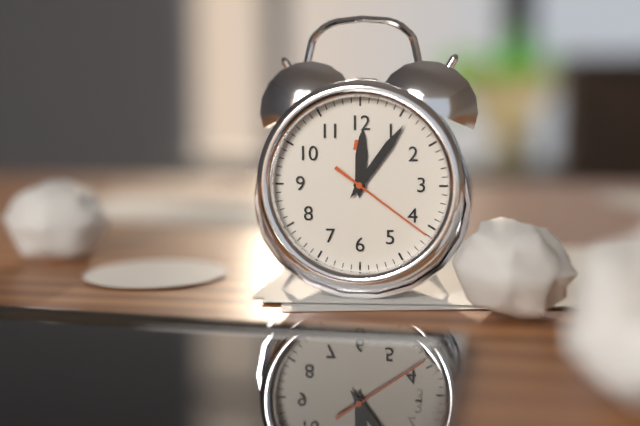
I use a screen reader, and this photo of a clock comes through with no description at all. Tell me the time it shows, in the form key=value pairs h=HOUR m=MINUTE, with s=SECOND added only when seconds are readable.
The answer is h=12 m=6 s=21
